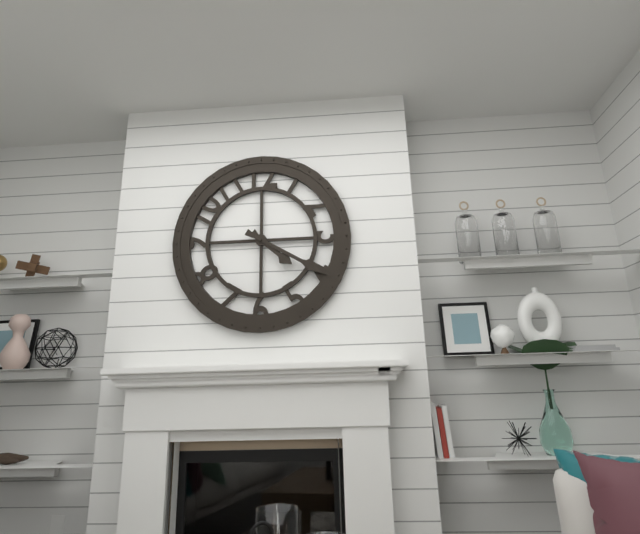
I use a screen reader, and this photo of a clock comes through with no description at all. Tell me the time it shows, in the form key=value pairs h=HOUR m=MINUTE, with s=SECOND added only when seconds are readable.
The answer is h=4 m=20
